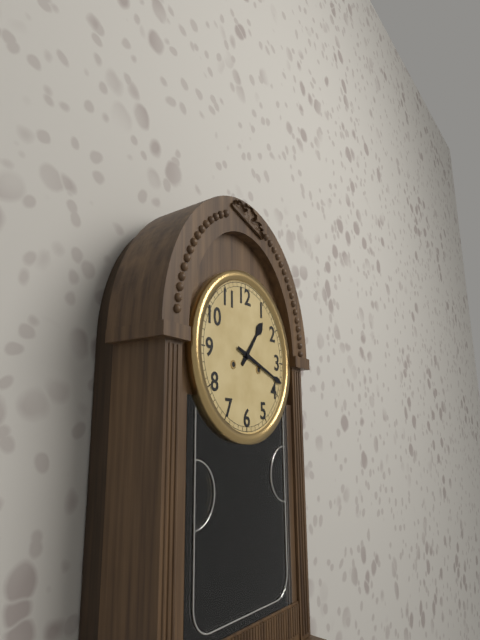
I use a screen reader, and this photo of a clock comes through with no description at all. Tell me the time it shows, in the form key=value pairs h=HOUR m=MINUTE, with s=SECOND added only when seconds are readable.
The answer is h=1 m=18
